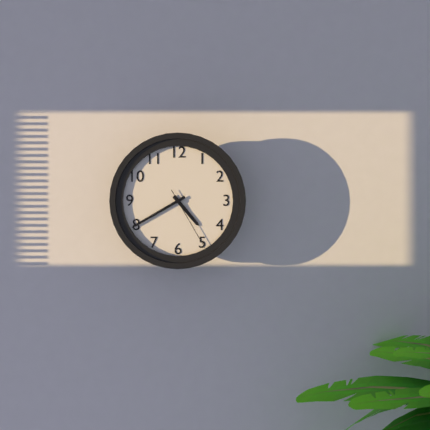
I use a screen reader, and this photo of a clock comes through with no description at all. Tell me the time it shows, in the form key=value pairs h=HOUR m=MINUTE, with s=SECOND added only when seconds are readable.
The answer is h=4 m=40 s=25
